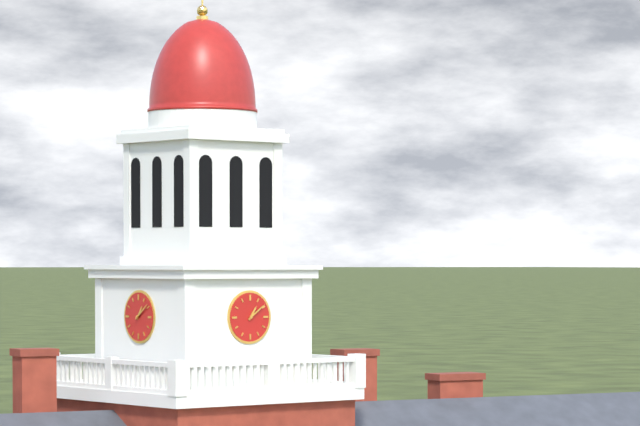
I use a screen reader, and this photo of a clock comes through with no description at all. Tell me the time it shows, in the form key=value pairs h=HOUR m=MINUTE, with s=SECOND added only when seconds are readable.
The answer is h=1 m=9
